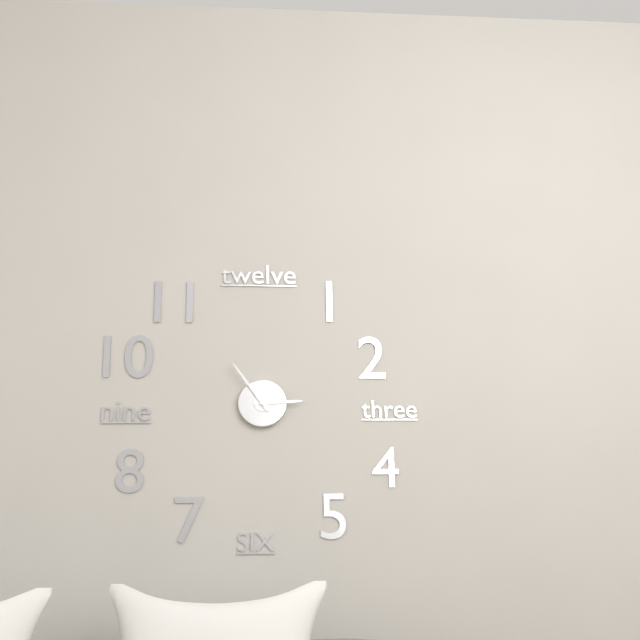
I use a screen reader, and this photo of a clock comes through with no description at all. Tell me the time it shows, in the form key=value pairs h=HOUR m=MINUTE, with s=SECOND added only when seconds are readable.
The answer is h=2 m=54
